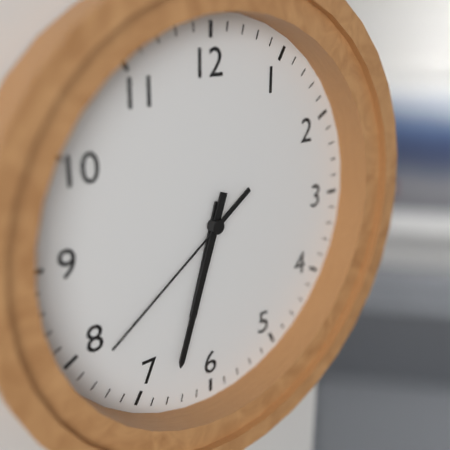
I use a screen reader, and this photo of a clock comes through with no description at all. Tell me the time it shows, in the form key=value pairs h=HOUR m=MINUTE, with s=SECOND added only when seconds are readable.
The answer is h=6 m=33 s=39
